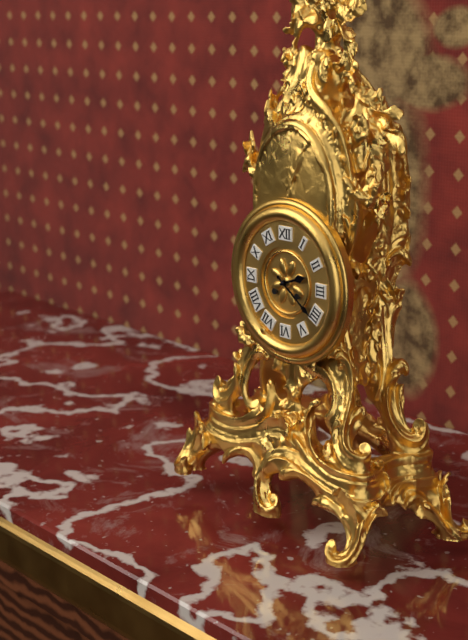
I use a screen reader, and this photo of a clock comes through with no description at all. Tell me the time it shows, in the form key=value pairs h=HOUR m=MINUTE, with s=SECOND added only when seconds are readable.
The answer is h=2 m=21
